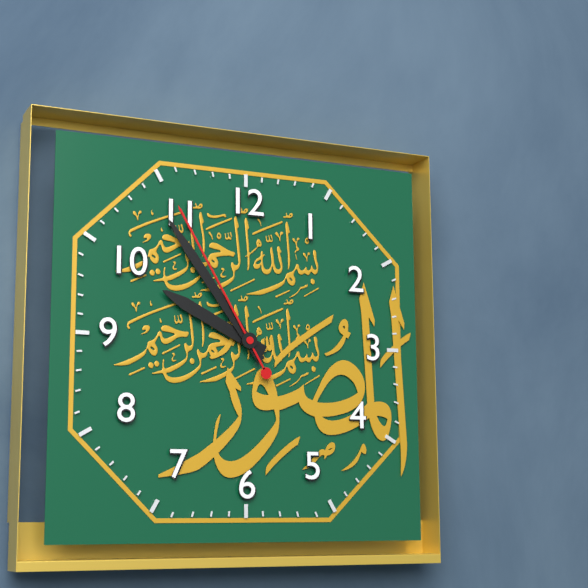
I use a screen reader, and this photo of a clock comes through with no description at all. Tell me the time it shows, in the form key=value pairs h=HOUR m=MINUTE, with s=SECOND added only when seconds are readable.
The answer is h=9 m=54 s=55
